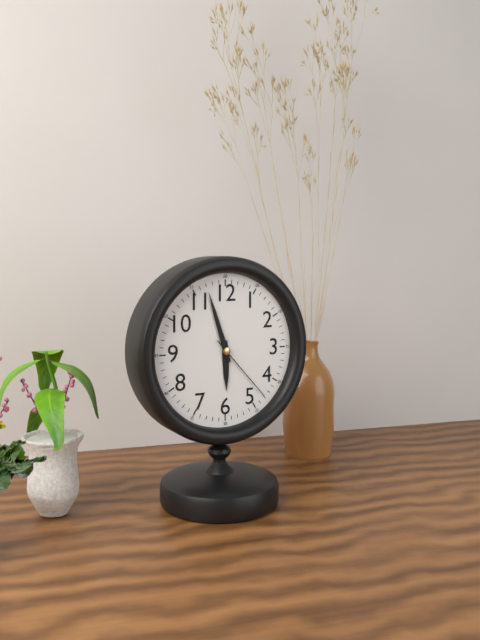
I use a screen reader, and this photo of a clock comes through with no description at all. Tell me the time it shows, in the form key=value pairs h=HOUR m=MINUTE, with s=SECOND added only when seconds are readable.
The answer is h=5 m=57 s=23
